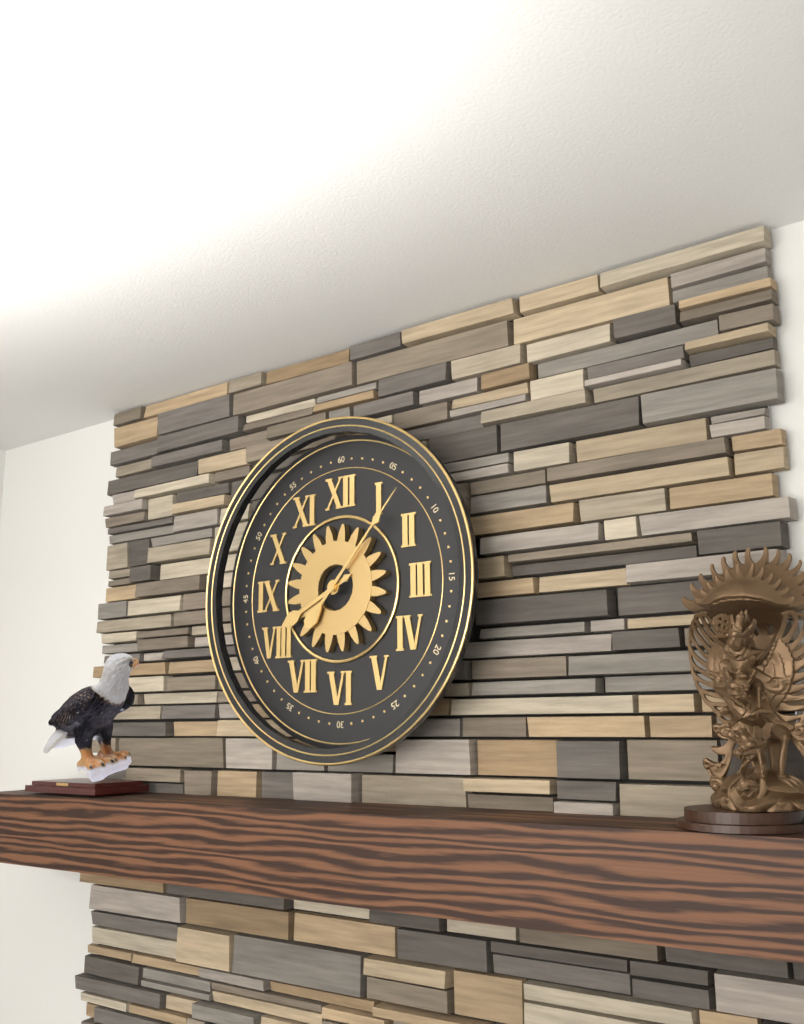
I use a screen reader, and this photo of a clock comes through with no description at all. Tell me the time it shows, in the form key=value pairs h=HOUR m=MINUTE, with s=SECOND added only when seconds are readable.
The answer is h=8 m=7
